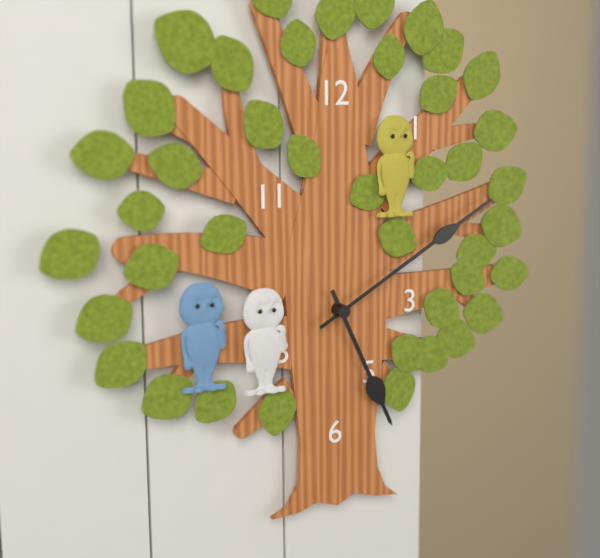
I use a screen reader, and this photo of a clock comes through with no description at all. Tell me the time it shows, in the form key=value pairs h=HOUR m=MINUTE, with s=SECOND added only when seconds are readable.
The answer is h=5 m=10
